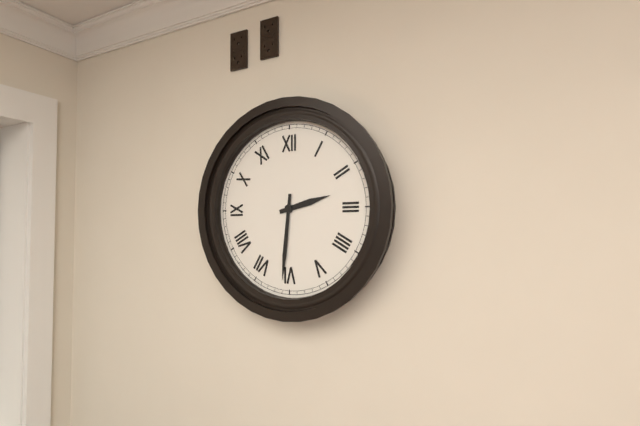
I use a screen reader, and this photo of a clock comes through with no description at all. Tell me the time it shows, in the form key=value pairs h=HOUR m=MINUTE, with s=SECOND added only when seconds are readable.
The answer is h=2 m=31
